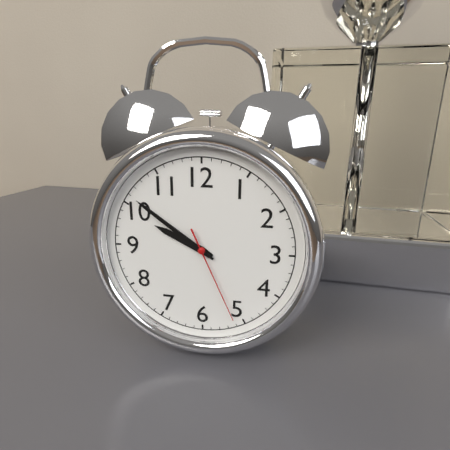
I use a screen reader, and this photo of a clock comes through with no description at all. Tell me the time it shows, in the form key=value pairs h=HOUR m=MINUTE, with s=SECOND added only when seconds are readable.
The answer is h=9 m=51 s=26
